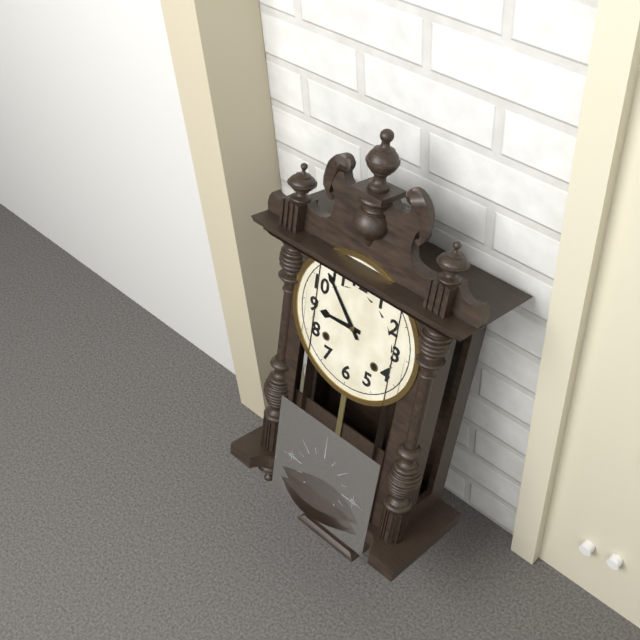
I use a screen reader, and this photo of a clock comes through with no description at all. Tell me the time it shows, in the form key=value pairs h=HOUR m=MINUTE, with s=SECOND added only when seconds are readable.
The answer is h=8 m=53
